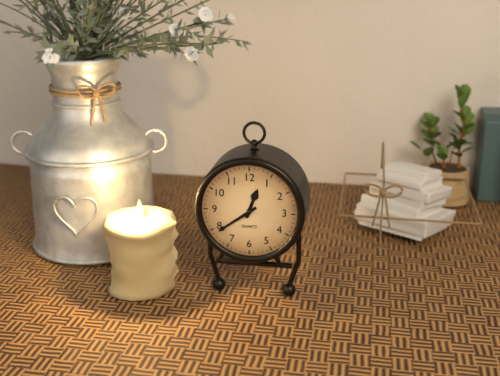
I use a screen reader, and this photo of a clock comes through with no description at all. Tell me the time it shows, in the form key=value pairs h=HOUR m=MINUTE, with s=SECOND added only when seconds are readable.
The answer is h=12 m=39
